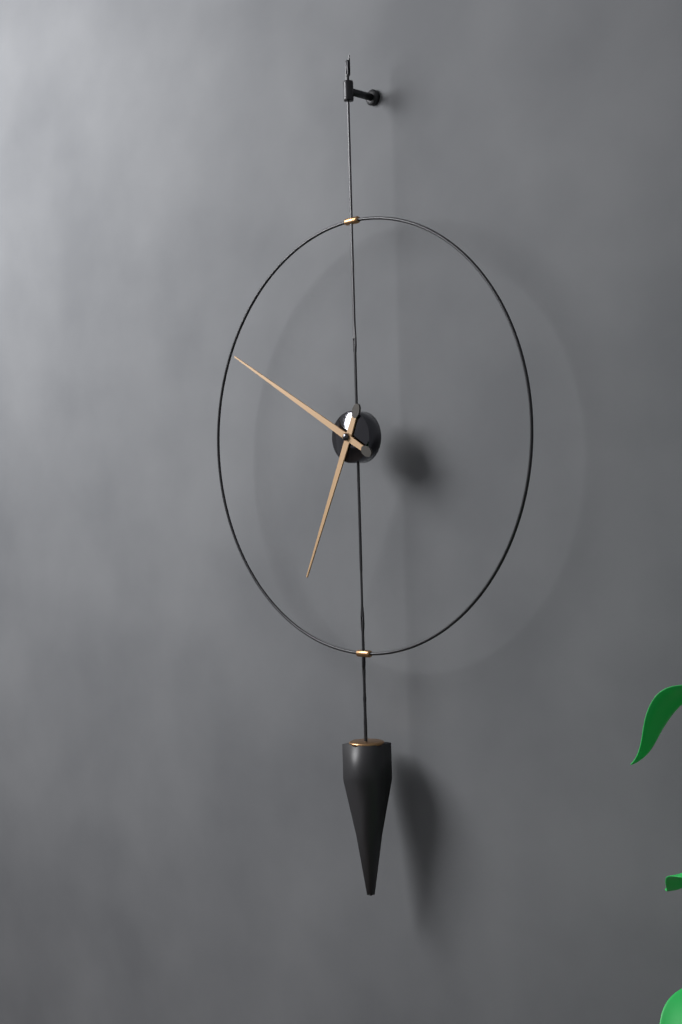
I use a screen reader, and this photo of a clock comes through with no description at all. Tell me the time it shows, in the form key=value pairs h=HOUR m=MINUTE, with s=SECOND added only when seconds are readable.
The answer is h=6 m=50
